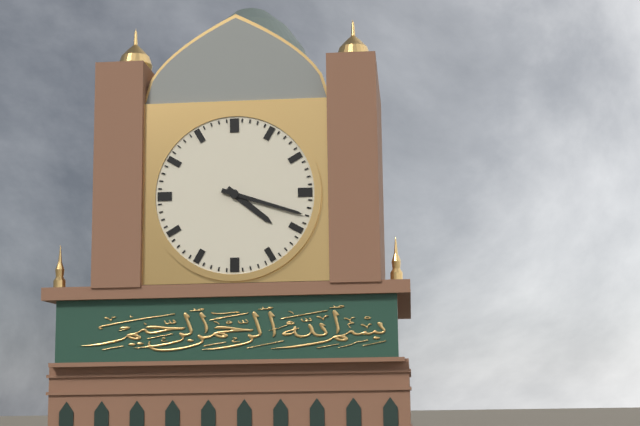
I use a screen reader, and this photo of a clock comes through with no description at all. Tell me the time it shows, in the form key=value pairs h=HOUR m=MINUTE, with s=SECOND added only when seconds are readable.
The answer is h=4 m=18
